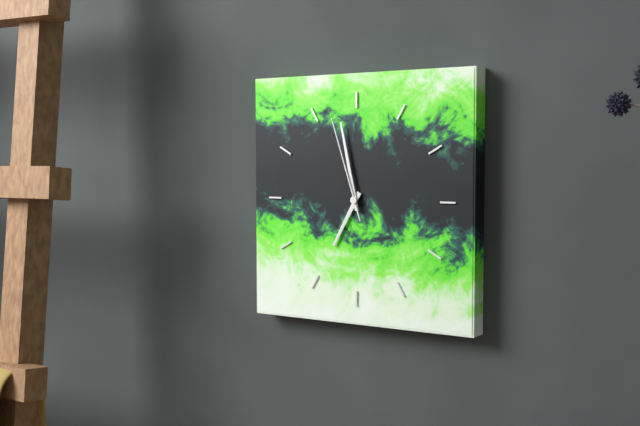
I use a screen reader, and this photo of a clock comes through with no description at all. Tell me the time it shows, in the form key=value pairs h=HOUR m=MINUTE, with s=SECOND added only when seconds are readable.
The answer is h=6 m=58 s=57
